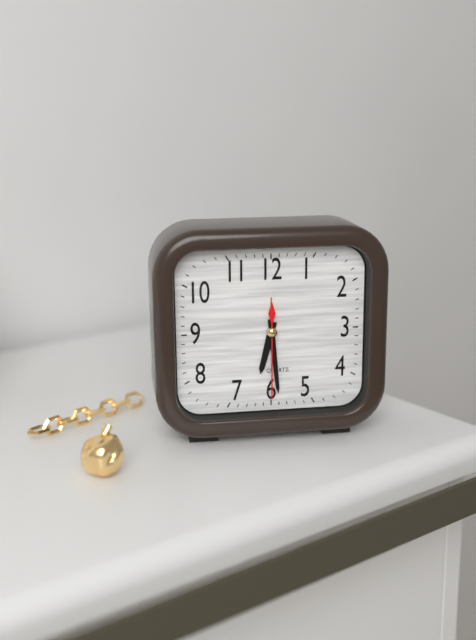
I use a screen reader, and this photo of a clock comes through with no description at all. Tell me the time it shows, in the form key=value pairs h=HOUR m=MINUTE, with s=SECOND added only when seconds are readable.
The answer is h=6 m=29 s=30
